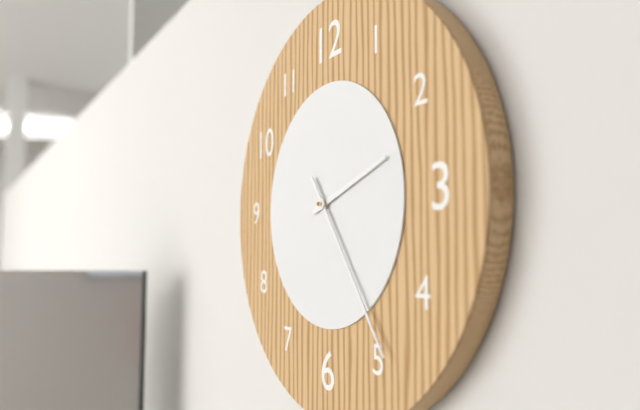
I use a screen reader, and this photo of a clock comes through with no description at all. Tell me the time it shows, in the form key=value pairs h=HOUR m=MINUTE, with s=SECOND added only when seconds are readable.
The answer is h=2 m=24
